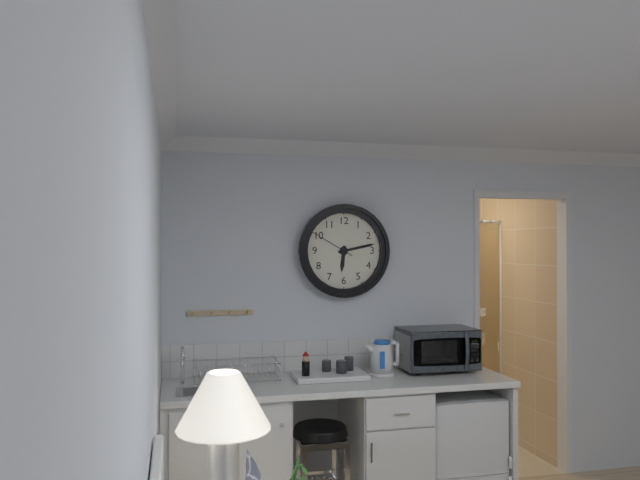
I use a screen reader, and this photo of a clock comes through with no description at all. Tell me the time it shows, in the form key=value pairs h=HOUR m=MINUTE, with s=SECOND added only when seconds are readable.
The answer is h=6 m=13
